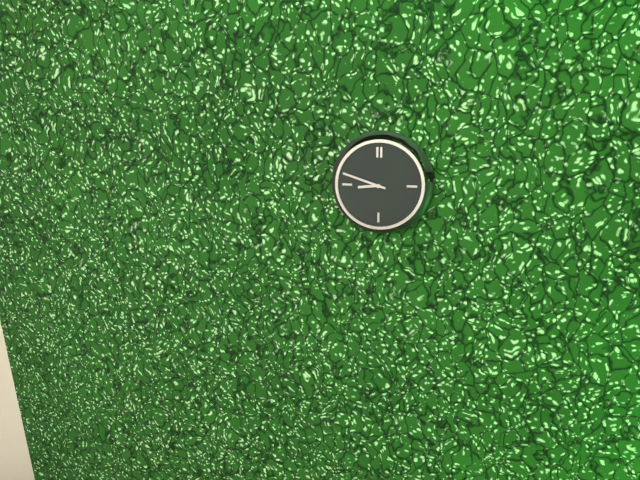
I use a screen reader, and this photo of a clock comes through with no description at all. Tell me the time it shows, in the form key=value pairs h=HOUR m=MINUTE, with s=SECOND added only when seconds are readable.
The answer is h=8 m=48
